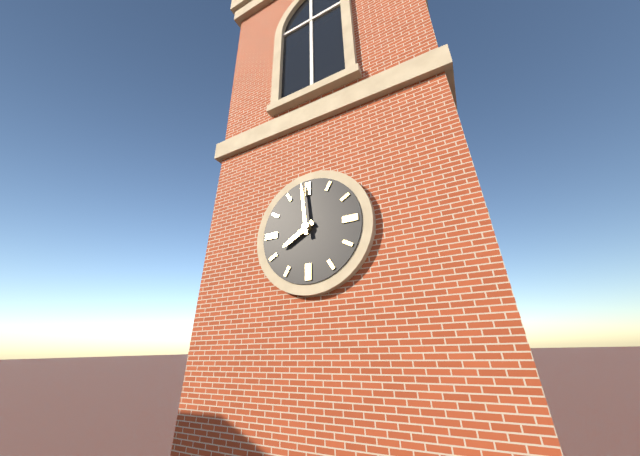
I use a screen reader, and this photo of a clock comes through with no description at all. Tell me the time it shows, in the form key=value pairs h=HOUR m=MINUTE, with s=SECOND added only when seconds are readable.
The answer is h=7 m=59
